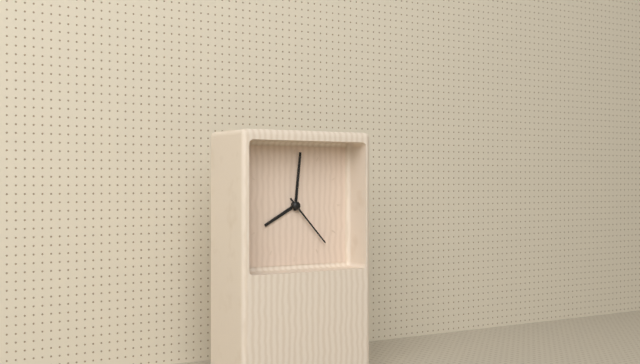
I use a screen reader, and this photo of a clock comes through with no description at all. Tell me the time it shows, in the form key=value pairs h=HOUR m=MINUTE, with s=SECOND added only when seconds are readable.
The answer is h=8 m=1 s=23
